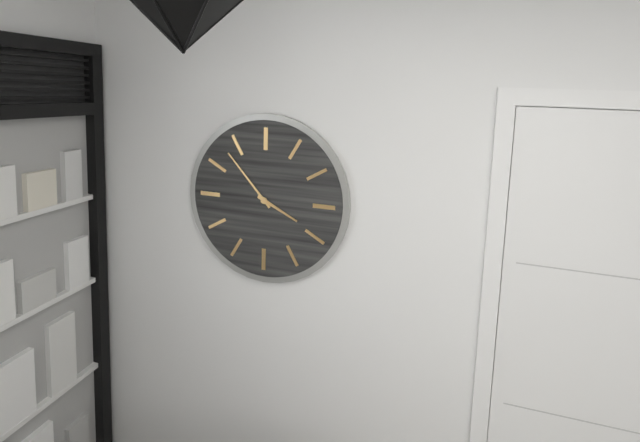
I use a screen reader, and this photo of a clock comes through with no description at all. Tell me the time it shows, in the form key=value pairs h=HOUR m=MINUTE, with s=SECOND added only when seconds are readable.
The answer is h=3 m=53
